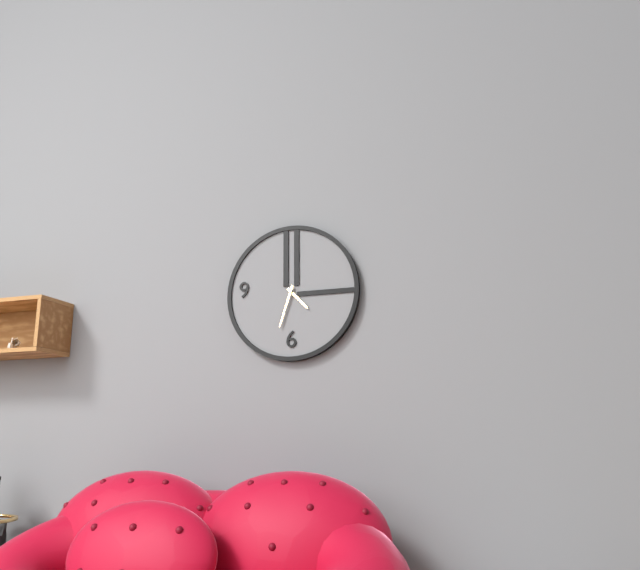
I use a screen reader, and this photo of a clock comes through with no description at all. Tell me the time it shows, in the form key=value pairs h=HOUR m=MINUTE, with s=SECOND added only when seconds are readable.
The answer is h=4 m=33
